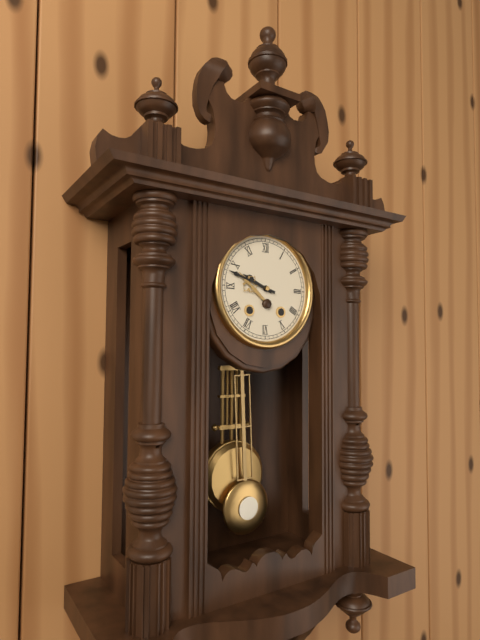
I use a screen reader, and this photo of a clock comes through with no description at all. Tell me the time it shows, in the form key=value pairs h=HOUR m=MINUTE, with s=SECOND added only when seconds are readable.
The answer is h=9 m=48
